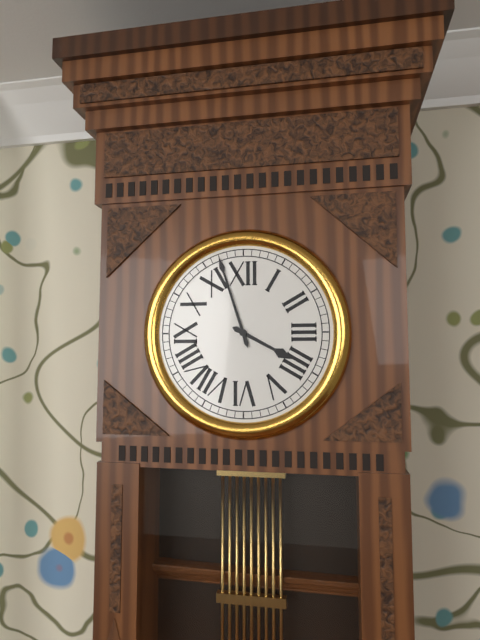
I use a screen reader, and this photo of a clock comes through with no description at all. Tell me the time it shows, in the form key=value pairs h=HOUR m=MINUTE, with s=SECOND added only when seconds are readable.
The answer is h=3 m=57
